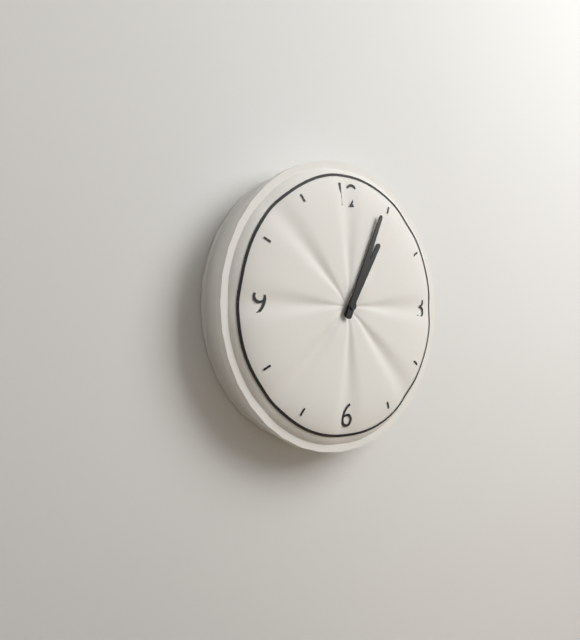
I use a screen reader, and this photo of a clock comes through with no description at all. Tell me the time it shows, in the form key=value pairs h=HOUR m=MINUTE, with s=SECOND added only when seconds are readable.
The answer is h=1 m=4
